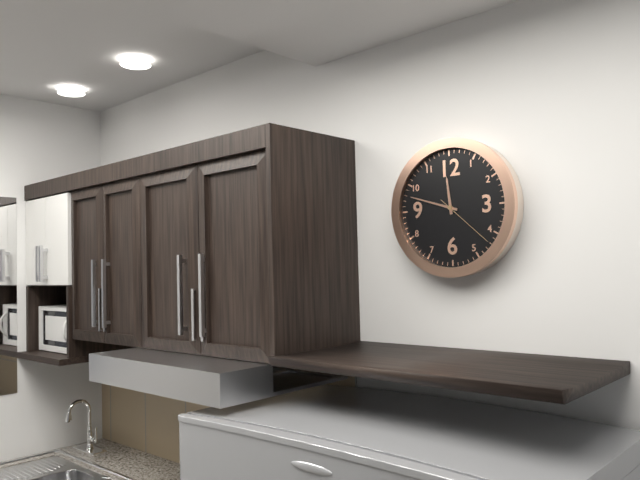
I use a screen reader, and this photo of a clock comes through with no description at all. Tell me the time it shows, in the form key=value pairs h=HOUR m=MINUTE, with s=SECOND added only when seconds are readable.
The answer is h=11 m=48 s=22
